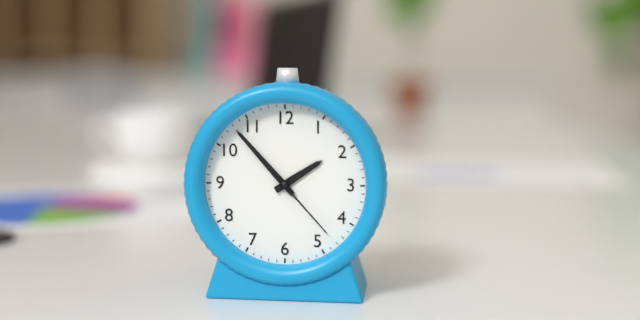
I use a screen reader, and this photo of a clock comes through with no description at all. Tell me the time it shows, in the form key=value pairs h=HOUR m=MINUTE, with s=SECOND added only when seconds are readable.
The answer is h=1 m=53 s=23
